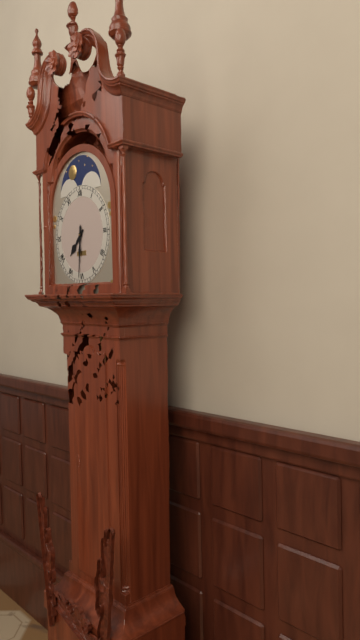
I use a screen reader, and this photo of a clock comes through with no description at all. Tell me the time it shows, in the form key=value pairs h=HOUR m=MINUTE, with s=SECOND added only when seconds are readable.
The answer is h=7 m=31
